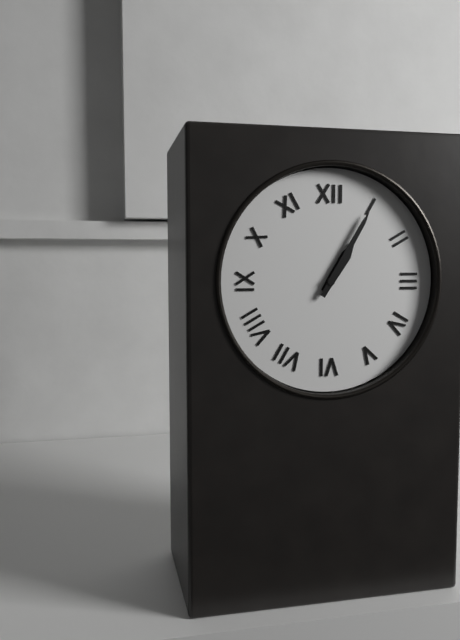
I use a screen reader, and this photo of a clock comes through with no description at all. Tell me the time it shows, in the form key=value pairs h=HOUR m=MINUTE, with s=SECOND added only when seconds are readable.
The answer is h=1 m=5
